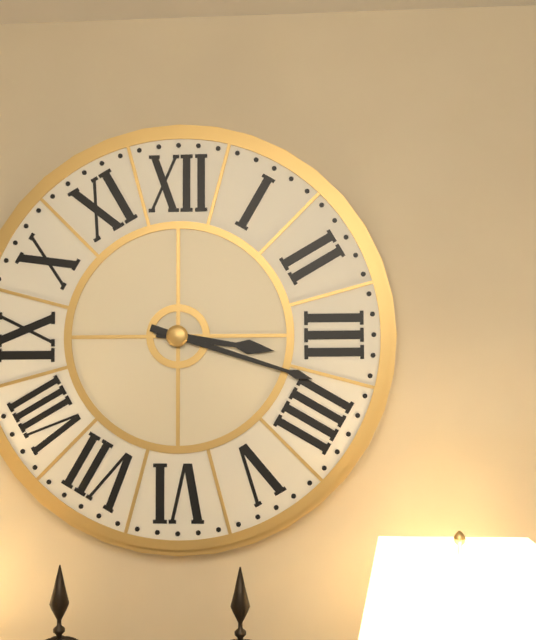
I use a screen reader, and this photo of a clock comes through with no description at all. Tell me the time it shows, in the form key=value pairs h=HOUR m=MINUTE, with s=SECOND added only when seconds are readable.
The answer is h=3 m=18
